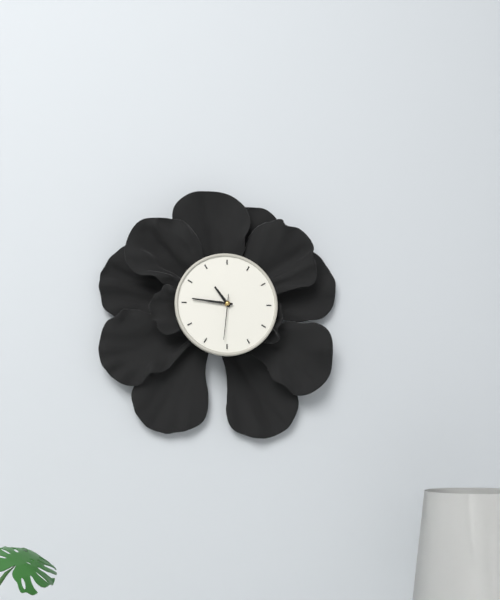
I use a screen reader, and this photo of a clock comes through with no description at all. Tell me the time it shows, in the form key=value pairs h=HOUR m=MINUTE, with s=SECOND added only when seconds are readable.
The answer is h=10 m=46
